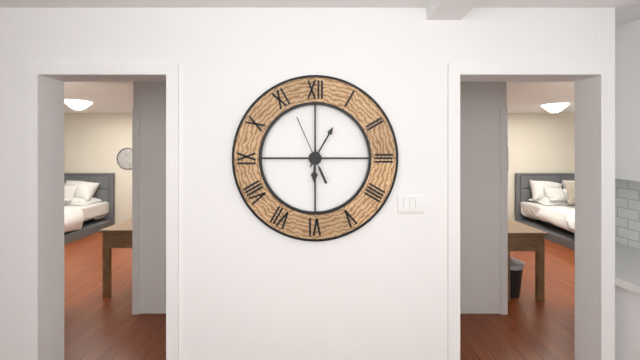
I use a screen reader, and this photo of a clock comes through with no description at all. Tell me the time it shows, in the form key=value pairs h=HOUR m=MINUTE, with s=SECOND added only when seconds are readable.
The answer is h=6 m=5 s=56
